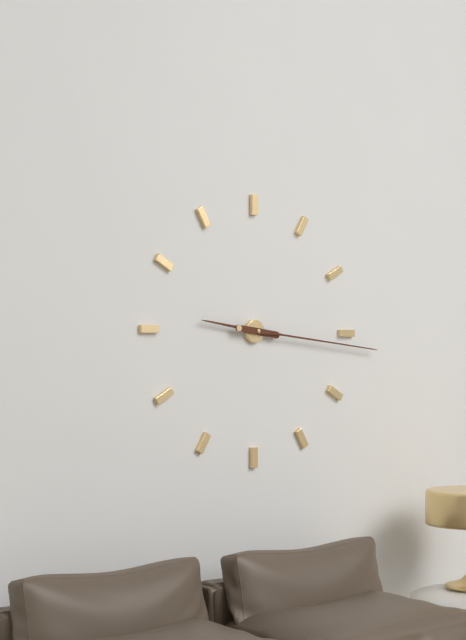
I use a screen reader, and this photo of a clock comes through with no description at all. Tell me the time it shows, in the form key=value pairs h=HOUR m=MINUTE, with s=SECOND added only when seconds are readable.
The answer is h=9 m=16
